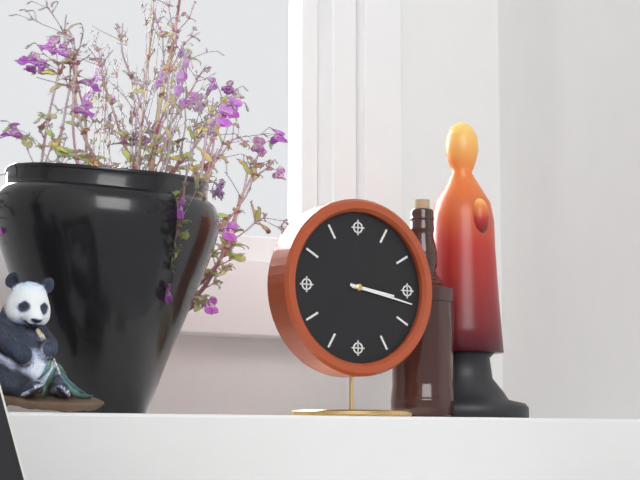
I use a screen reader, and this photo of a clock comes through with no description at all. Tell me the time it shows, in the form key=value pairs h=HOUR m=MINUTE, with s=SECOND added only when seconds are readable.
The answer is h=3 m=17
